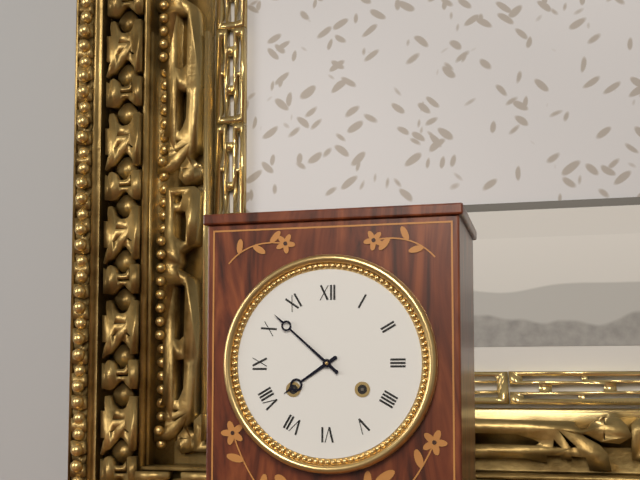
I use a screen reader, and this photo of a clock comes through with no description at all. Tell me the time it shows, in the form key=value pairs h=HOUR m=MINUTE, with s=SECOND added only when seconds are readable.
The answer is h=7 m=52
